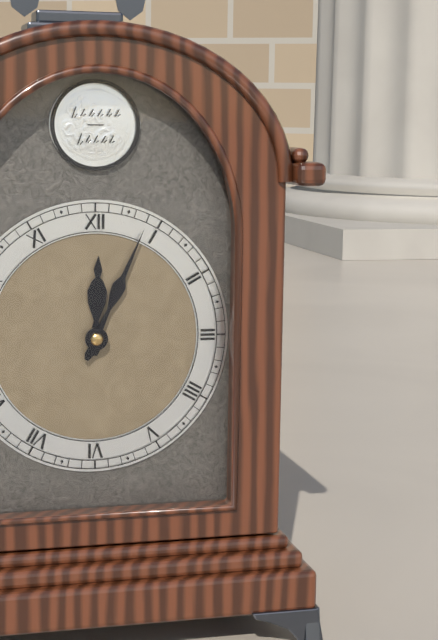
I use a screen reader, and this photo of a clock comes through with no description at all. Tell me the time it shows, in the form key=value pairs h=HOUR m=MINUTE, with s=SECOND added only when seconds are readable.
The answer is h=12 m=4
